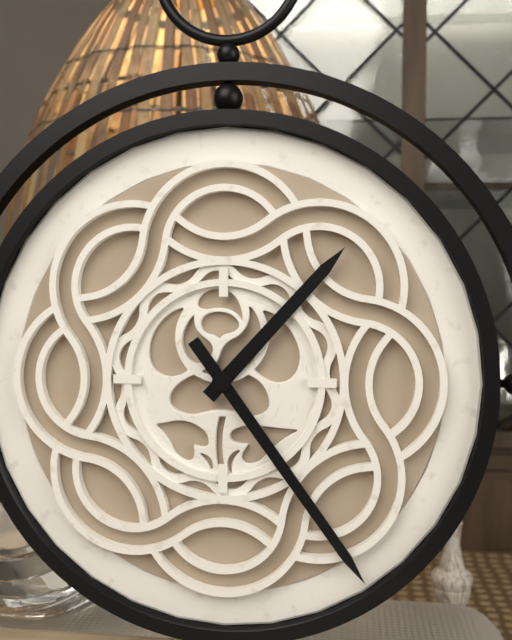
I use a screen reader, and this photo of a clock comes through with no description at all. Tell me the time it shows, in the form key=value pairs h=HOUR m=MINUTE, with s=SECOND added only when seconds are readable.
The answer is h=1 m=24
